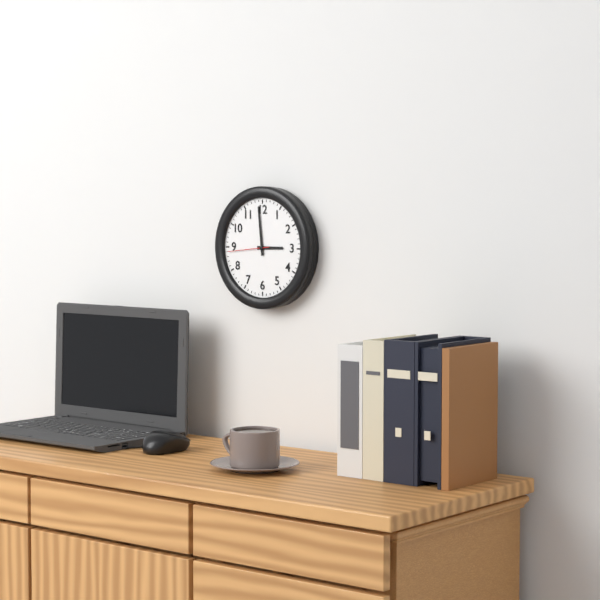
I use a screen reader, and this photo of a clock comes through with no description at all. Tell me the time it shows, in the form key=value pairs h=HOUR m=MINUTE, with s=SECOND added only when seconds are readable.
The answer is h=2 m=59
